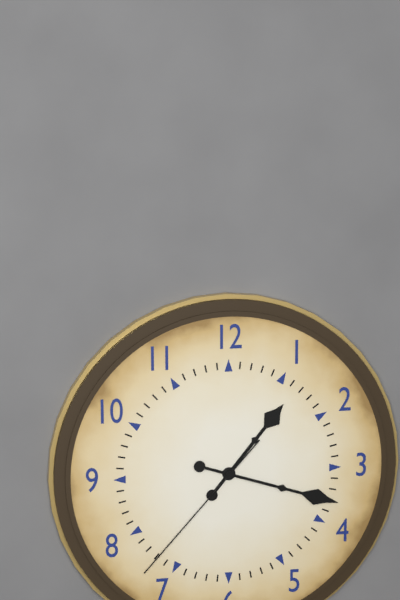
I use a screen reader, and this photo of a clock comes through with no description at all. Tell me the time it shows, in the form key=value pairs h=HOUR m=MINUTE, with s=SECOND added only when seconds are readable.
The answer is h=1 m=18 s=37
